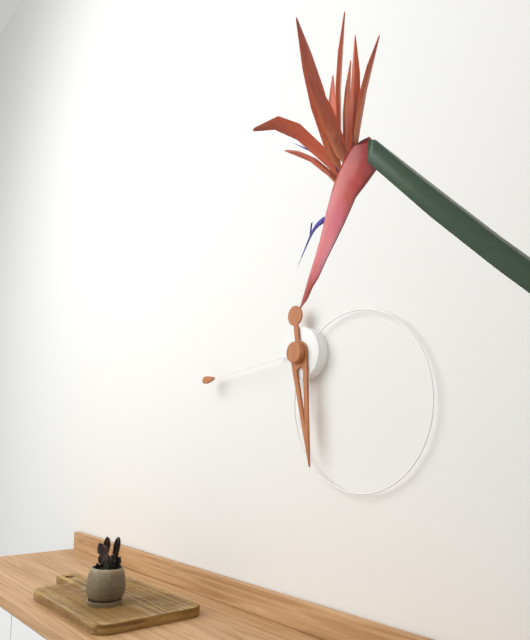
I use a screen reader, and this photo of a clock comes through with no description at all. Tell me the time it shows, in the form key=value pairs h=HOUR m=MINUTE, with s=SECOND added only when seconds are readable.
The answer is h=5 m=44
